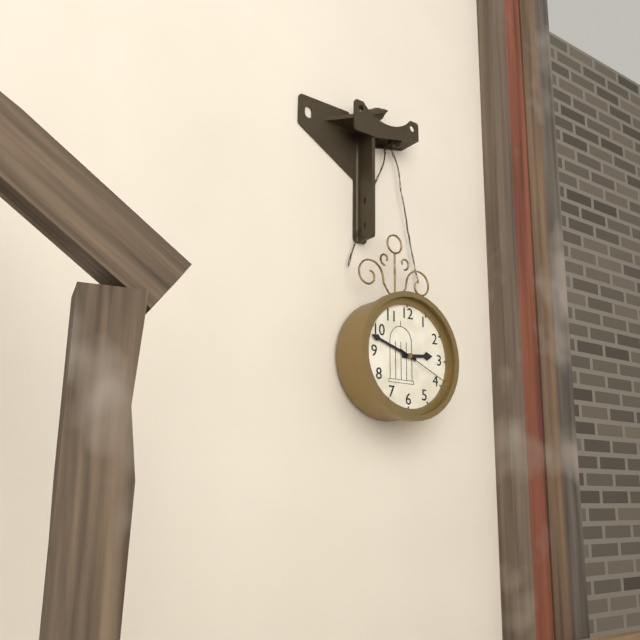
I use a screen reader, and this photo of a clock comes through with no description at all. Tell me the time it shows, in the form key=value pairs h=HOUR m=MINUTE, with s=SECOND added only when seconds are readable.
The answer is h=2 m=48 s=19
